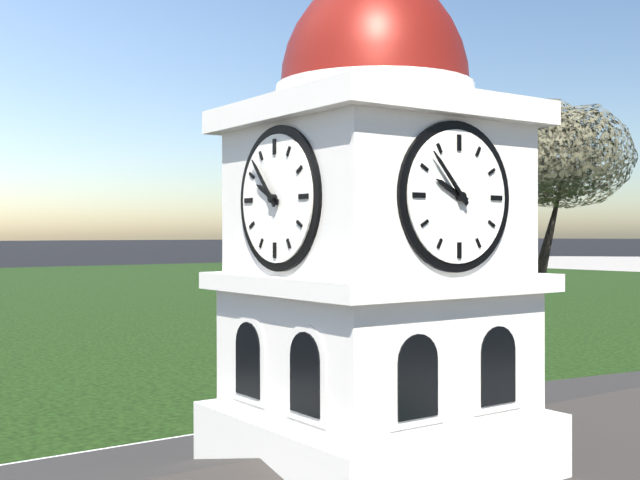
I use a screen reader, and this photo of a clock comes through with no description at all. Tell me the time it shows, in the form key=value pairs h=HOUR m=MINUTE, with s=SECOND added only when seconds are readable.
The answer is h=9 m=53
